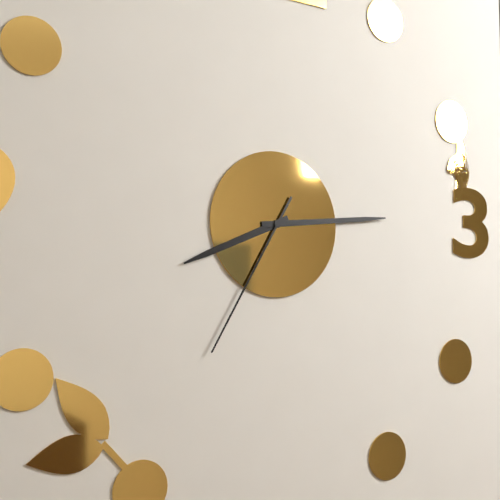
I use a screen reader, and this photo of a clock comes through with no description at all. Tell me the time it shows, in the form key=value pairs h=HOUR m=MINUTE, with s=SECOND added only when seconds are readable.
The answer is h=8 m=14 s=35
